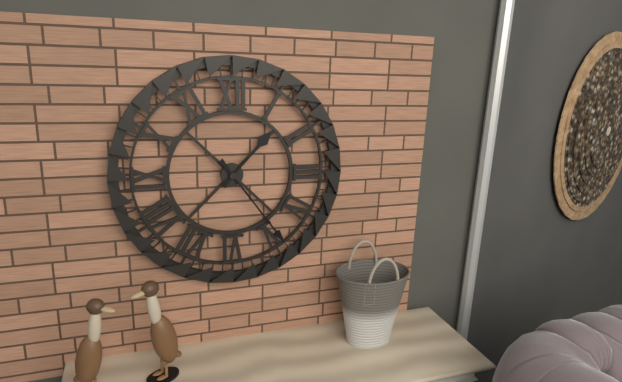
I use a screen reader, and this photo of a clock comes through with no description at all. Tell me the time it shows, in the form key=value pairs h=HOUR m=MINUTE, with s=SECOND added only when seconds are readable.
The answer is h=1 m=24
